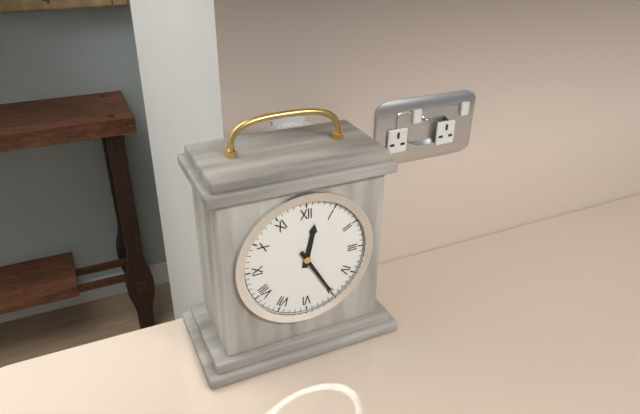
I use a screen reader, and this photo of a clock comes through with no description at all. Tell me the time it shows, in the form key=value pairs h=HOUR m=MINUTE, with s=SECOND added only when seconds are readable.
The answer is h=12 m=25
